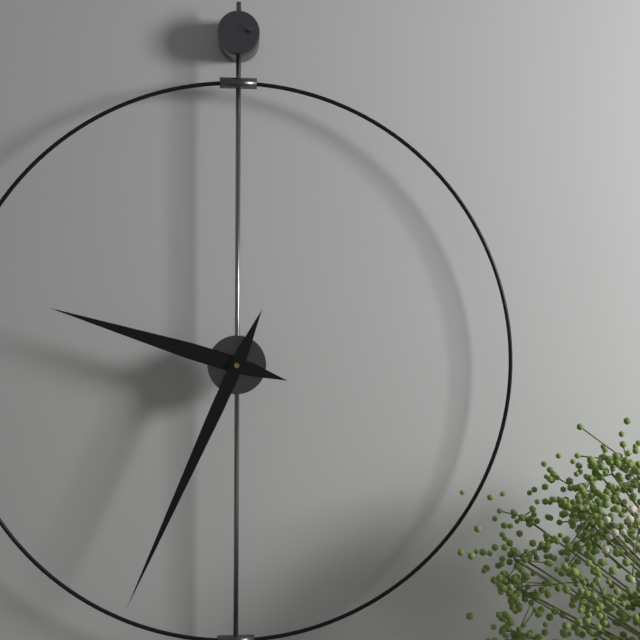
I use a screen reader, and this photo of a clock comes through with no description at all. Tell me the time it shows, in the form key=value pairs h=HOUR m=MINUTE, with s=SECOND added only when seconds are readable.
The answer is h=9 m=34
